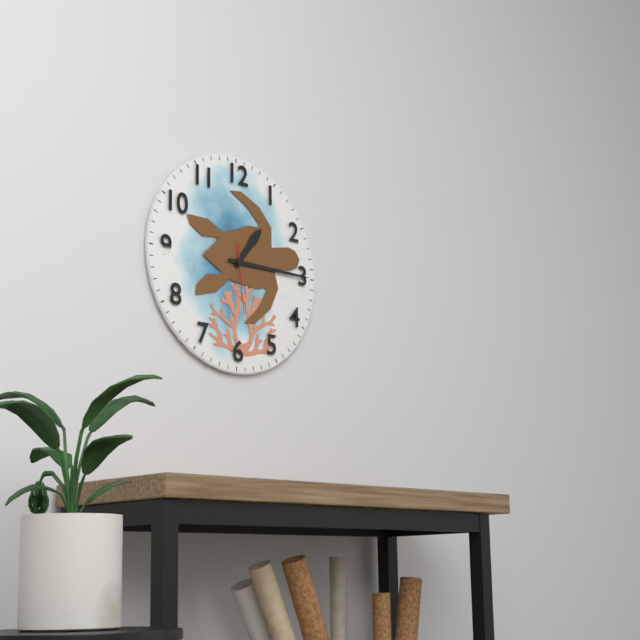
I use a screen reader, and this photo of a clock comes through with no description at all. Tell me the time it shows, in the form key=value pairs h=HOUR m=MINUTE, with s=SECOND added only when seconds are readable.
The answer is h=1 m=15 s=29
